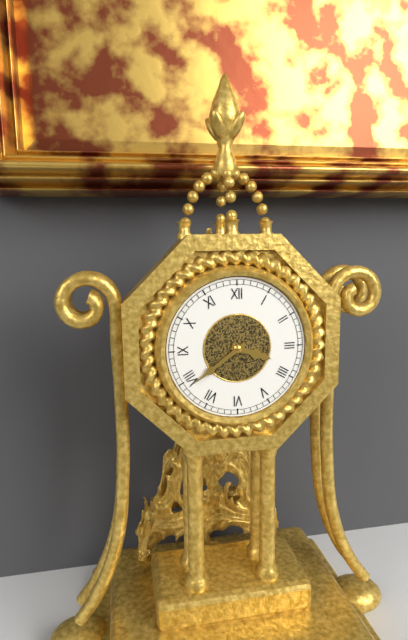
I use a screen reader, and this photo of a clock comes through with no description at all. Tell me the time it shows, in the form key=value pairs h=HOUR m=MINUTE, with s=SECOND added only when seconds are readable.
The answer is h=3 m=39
